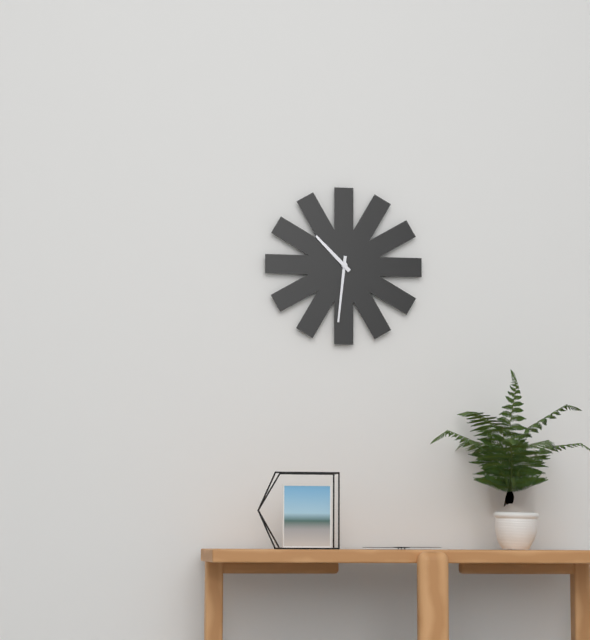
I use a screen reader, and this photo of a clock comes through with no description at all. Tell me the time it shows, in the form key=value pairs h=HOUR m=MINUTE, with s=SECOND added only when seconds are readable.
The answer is h=10 m=31
